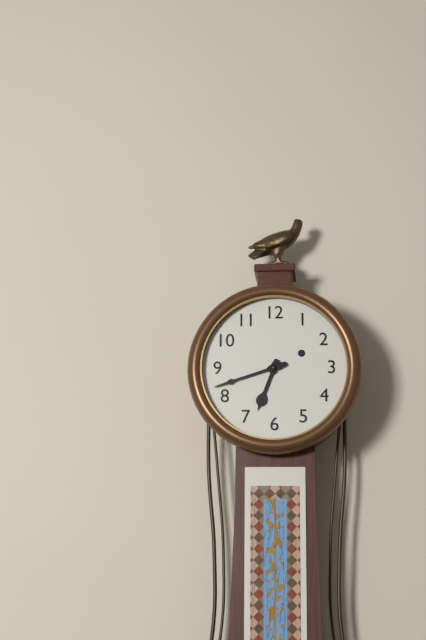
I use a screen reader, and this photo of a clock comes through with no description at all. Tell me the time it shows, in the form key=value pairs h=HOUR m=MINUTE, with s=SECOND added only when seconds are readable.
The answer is h=6 m=42
